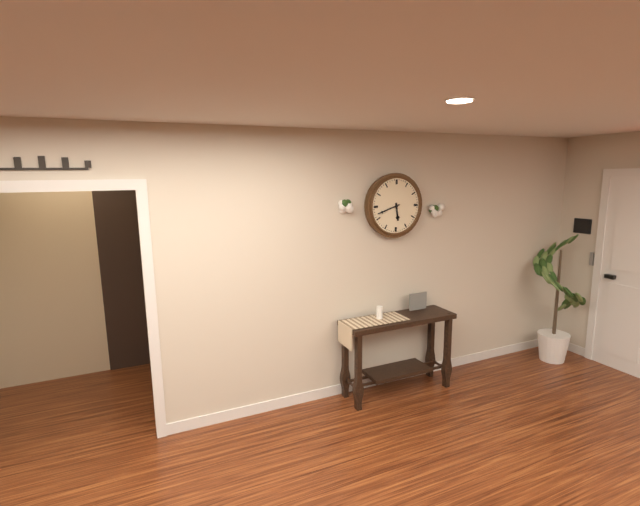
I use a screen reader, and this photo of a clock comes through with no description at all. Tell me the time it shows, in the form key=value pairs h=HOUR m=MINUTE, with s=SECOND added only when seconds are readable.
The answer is h=5 m=42
